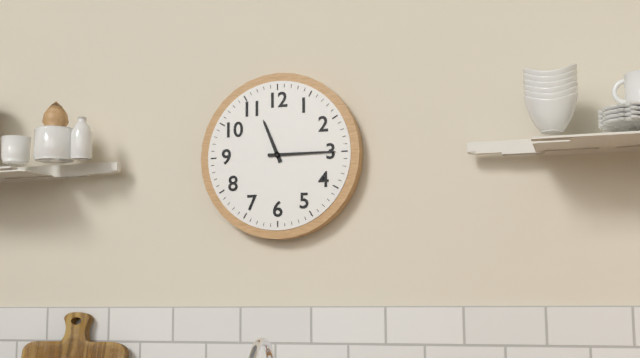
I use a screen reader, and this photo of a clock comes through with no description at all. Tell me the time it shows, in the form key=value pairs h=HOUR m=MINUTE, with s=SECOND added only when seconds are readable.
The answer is h=11 m=15
